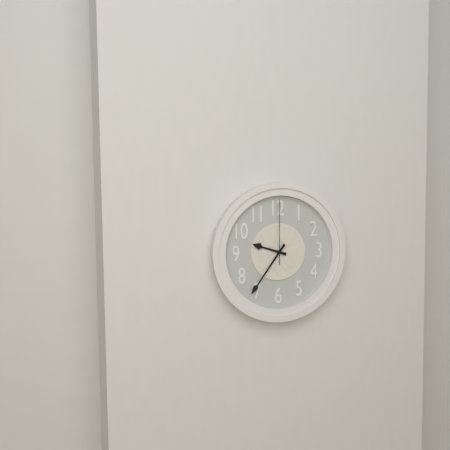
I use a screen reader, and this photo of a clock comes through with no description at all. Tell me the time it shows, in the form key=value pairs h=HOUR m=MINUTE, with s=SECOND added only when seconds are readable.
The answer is h=9 m=36 s=0
